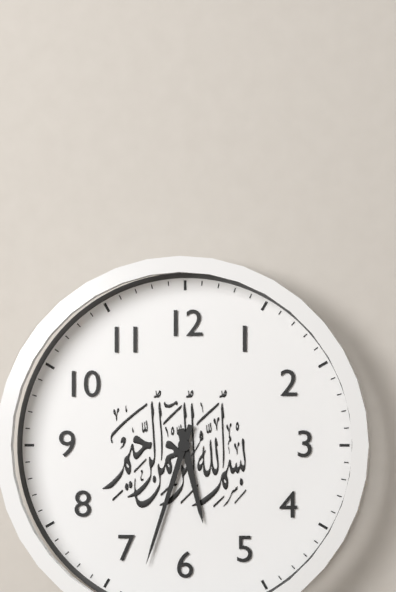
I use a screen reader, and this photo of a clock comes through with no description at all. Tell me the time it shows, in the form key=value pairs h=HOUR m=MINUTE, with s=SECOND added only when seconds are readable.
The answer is h=5 m=33
